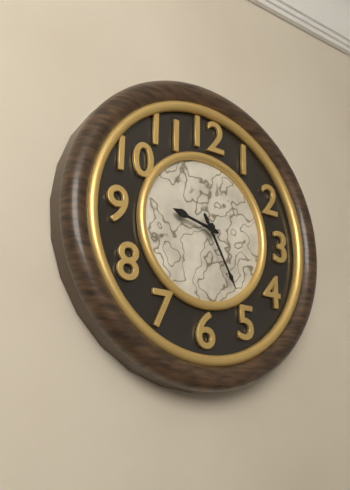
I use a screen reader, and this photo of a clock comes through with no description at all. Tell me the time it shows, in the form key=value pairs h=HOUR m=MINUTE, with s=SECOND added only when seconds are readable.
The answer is h=9 m=25
